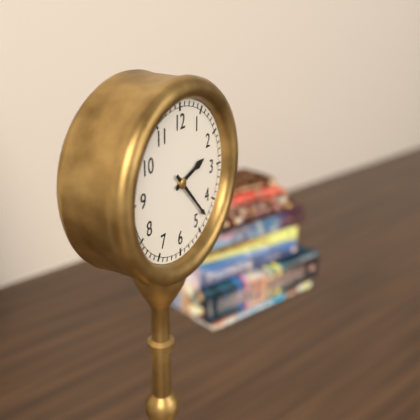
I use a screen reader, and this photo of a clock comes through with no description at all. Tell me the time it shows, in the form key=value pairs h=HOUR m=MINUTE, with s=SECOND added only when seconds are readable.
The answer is h=2 m=23
